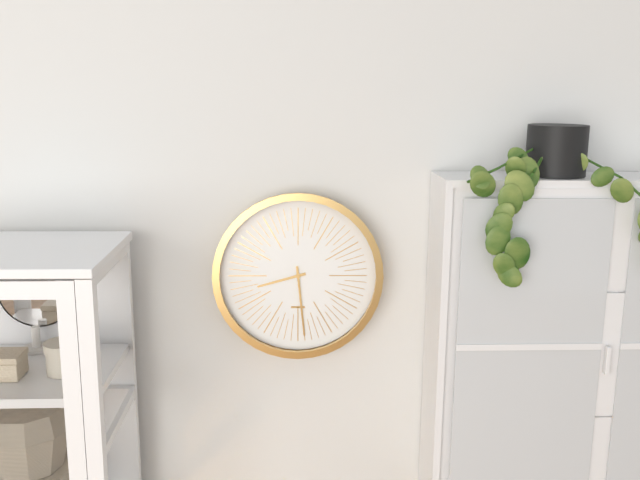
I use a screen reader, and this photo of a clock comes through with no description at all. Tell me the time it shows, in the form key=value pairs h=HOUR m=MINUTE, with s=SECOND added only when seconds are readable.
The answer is h=8 m=29
